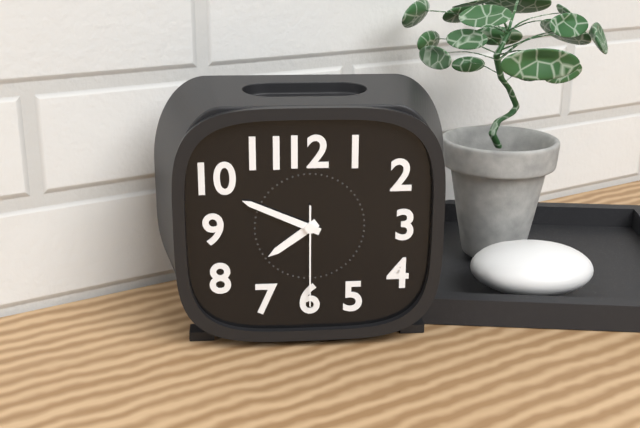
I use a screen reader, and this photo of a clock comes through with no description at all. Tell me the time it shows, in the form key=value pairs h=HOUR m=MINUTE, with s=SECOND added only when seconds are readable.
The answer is h=7 m=49 s=30
